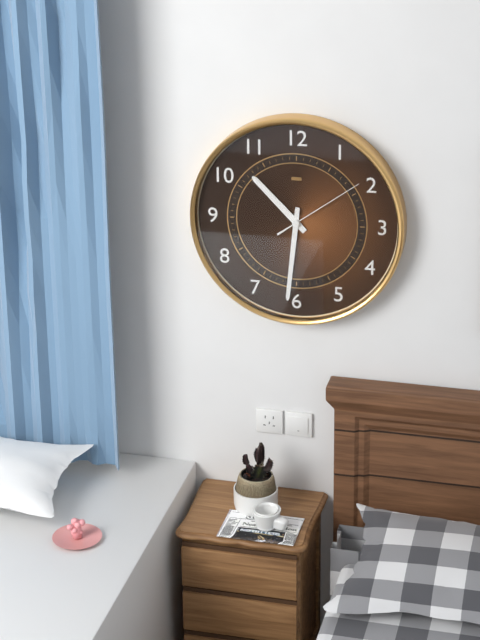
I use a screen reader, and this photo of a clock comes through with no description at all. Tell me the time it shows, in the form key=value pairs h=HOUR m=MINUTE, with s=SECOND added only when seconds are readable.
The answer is h=10 m=31 s=9
